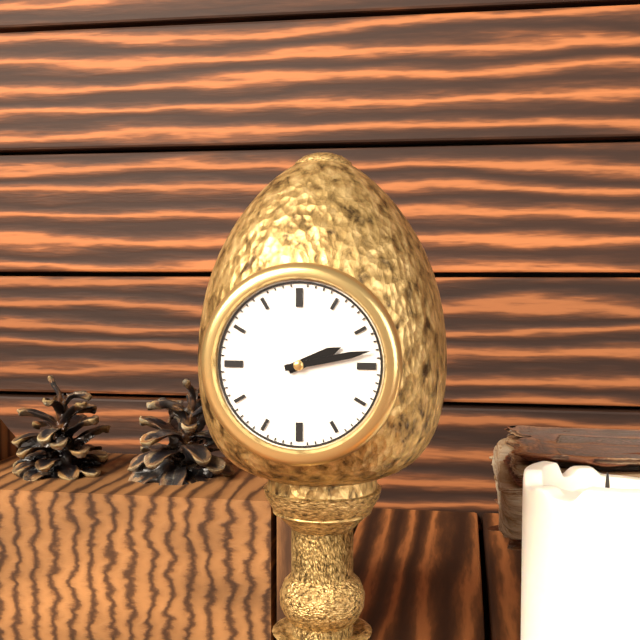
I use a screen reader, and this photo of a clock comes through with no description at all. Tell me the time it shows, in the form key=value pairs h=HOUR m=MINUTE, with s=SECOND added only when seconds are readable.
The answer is h=2 m=13
